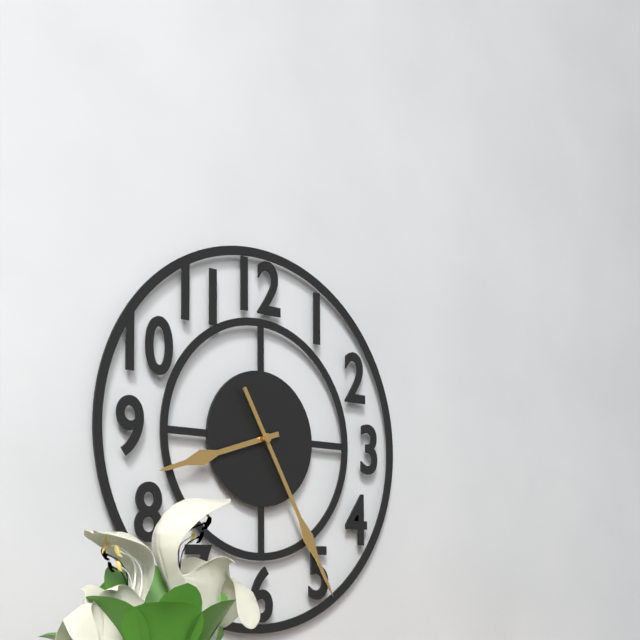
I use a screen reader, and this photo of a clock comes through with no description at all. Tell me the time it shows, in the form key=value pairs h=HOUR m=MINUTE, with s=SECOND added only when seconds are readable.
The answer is h=8 m=25
